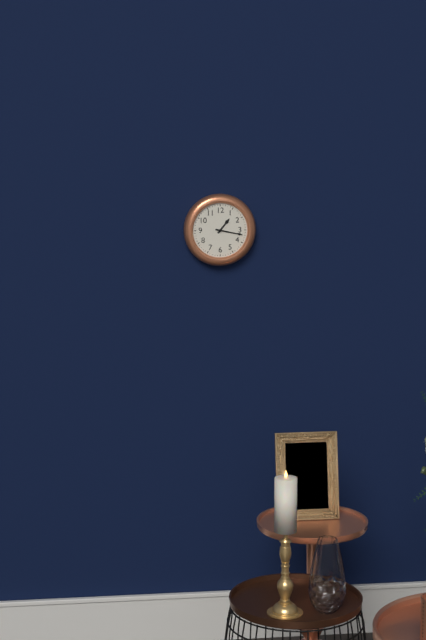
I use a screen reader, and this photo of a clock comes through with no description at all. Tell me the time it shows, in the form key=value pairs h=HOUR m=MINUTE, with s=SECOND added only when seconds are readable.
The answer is h=1 m=17
